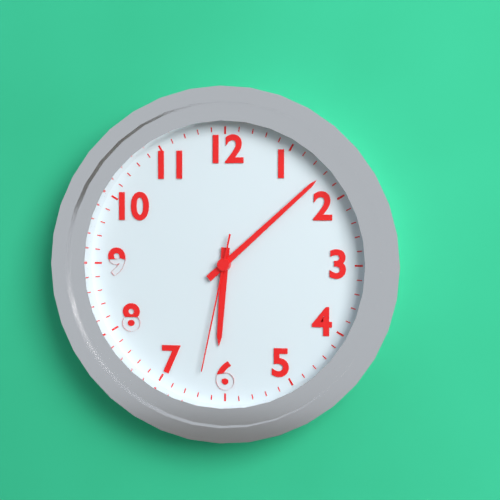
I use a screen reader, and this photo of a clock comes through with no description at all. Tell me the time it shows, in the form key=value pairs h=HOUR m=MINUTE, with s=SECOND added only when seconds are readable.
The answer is h=6 m=8 s=32
